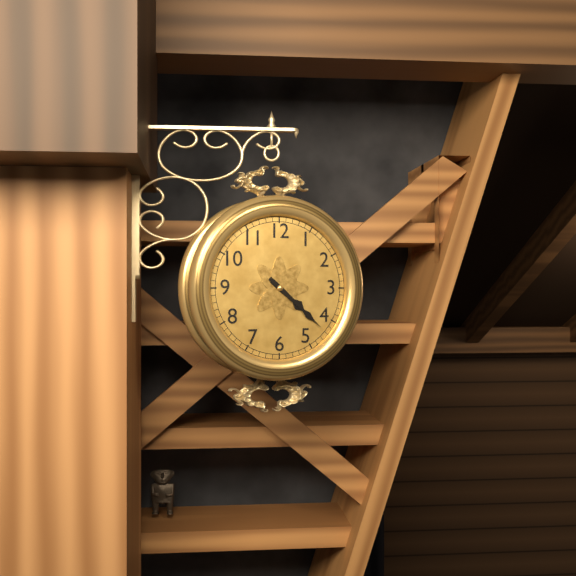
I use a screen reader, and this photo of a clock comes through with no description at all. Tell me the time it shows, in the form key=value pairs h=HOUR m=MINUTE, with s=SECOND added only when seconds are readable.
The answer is h=4 m=22
